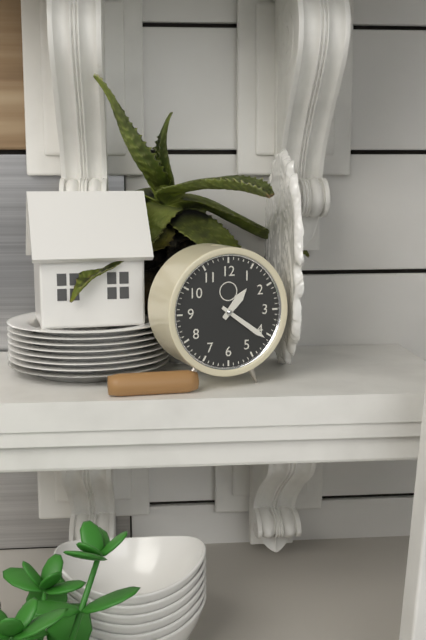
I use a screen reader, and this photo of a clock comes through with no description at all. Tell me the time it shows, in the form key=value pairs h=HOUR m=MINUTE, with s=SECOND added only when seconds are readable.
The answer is h=1 m=21
